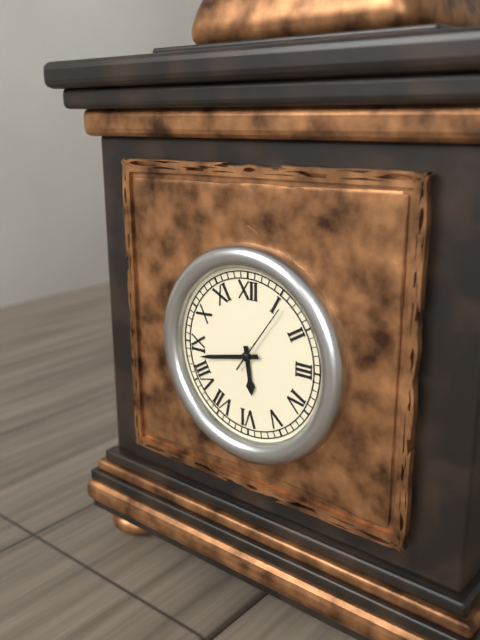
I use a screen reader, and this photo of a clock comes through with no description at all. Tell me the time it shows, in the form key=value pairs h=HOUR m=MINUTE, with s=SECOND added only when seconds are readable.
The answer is h=5 m=43 s=6
